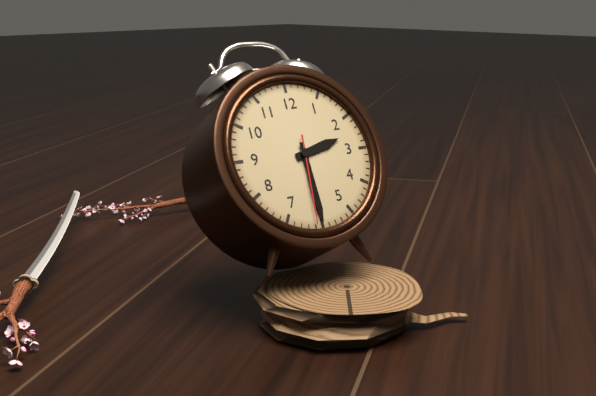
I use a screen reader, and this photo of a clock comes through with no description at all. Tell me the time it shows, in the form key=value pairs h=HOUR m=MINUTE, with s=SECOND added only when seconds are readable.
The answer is h=2 m=30 s=31
